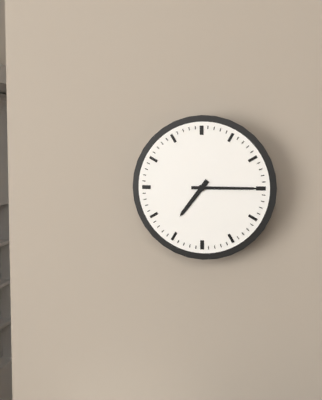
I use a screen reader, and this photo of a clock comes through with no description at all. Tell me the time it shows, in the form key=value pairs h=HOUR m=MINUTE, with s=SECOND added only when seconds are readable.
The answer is h=7 m=15
